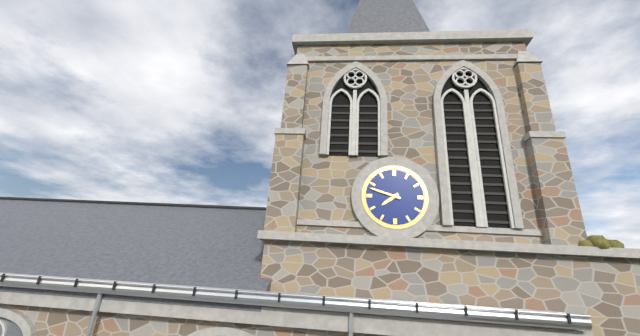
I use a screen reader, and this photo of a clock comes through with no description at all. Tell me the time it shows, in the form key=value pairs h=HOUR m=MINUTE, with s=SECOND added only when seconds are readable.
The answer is h=7 m=48
